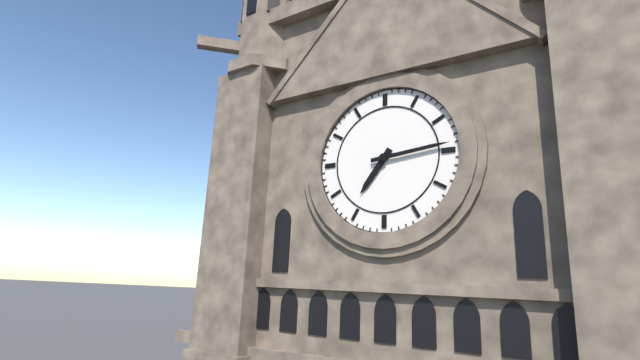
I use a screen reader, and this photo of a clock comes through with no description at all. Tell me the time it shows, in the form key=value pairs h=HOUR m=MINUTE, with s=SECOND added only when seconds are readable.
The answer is h=7 m=14
